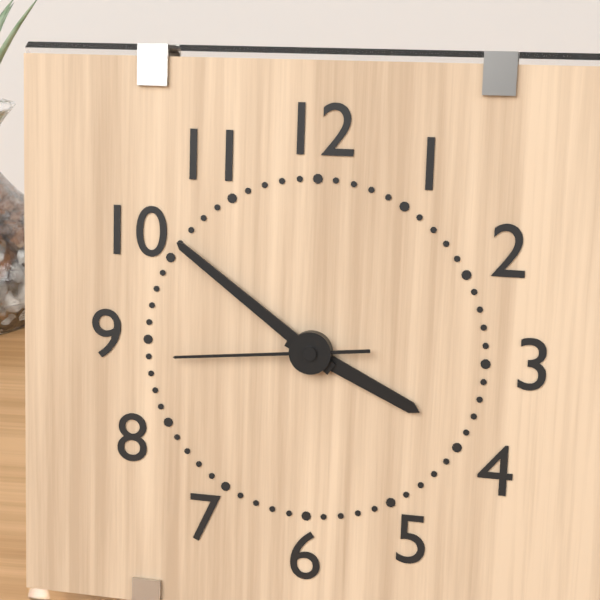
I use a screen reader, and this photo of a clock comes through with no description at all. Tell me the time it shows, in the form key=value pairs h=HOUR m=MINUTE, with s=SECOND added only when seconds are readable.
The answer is h=3 m=51 s=44
